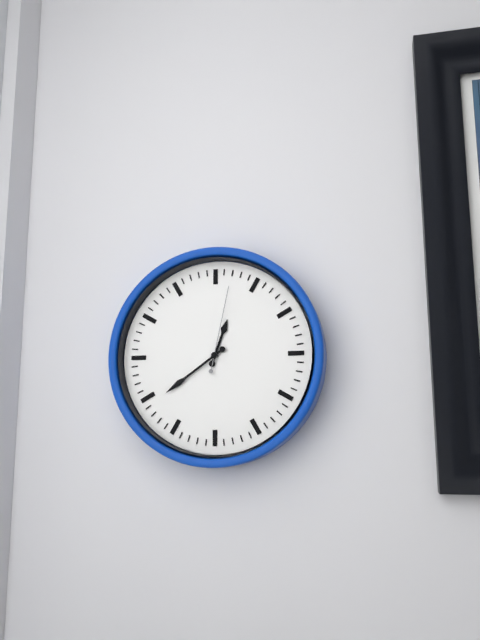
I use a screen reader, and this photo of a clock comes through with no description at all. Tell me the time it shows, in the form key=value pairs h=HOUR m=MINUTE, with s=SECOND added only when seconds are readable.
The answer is h=12 m=39 s=2
